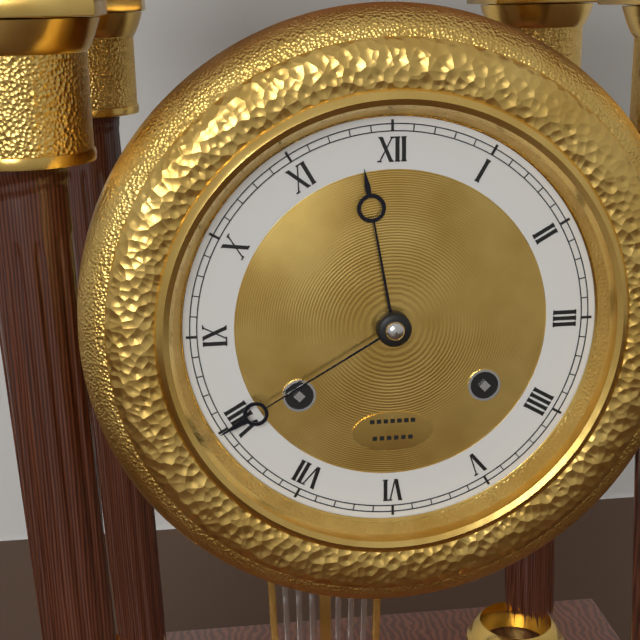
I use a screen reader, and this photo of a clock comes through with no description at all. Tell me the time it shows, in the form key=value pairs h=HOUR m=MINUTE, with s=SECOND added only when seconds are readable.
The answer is h=11 m=40
